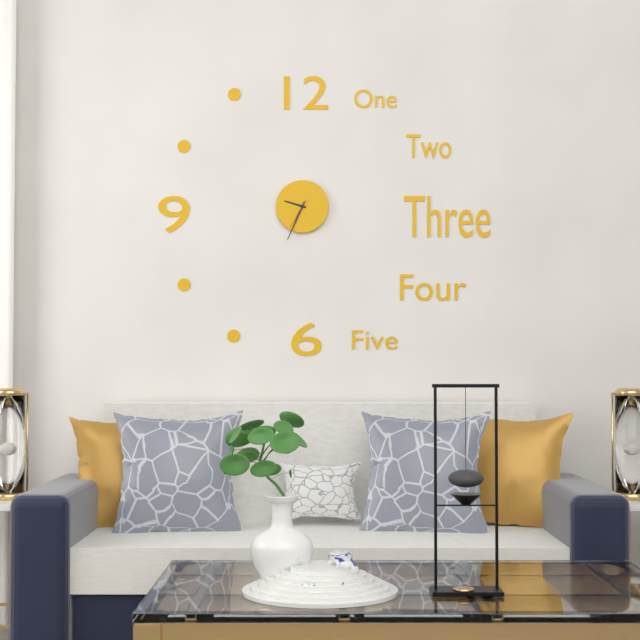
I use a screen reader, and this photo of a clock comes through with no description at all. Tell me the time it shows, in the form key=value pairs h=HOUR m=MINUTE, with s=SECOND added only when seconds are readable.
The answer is h=9 m=34
